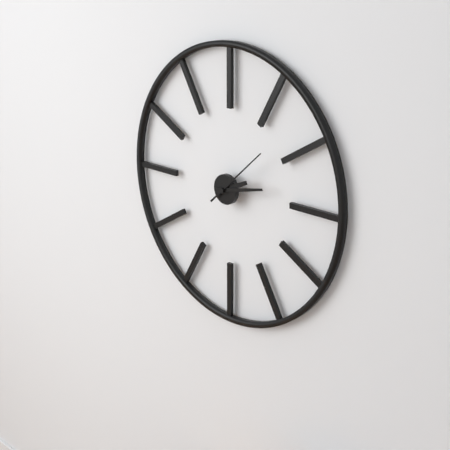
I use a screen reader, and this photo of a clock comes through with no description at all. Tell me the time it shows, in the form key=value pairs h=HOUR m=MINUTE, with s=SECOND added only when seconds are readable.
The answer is h=2 m=13 s=8
